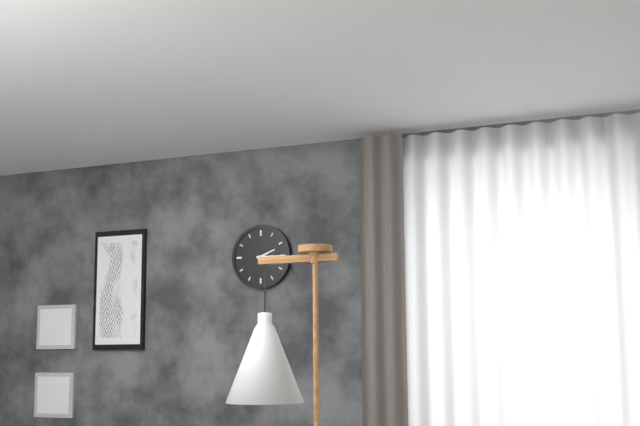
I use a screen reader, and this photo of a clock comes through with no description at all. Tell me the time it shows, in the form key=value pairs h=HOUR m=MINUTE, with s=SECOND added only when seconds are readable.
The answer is h=2 m=15
